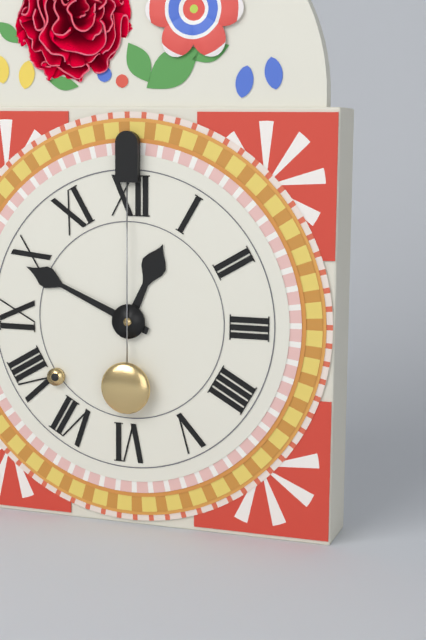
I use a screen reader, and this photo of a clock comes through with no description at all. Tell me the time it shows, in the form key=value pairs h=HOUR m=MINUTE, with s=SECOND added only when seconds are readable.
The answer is h=12 m=49
